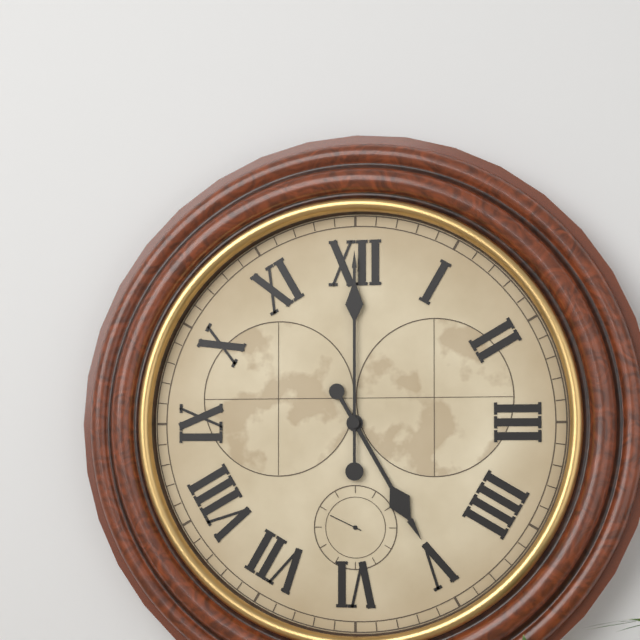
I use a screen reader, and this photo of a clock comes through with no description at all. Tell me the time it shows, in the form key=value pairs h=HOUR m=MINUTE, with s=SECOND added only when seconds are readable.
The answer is h=5 m=0
